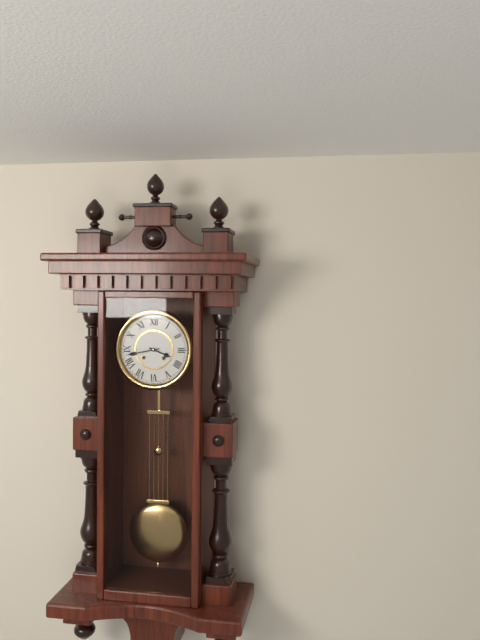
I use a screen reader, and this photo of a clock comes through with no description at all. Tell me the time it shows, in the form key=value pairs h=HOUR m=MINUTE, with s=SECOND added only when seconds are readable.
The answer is h=3 m=43
